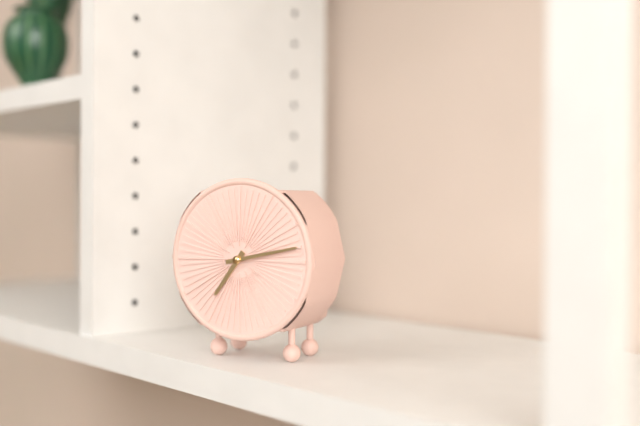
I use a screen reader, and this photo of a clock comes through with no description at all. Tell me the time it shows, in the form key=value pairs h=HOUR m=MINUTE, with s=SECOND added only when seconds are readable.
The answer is h=7 m=13
